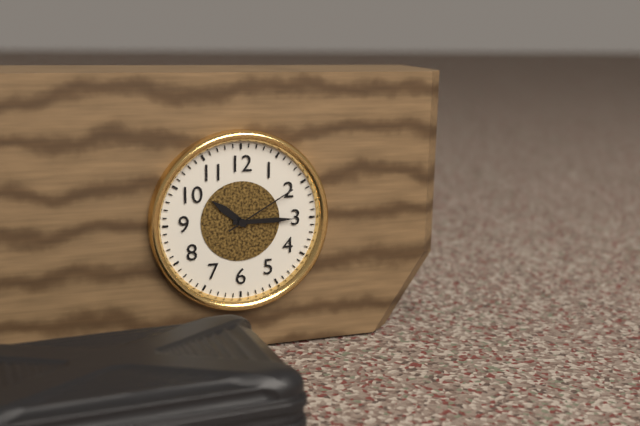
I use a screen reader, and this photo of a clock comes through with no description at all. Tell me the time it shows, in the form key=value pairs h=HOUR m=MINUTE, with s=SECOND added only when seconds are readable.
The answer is h=10 m=15 s=10
